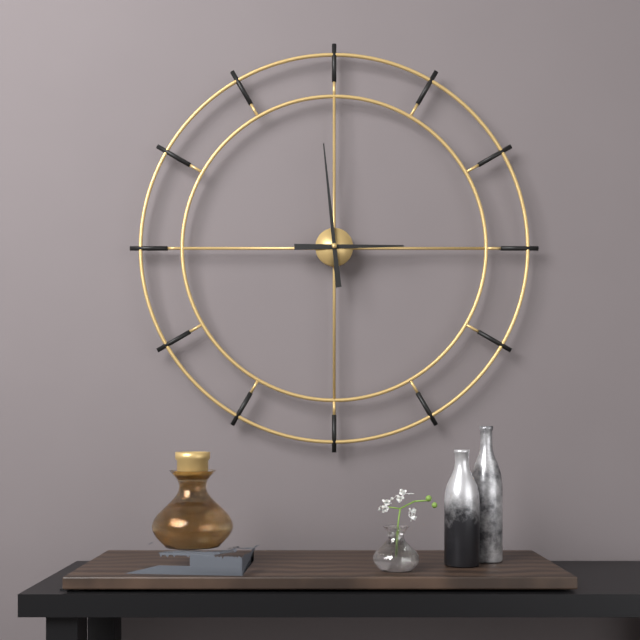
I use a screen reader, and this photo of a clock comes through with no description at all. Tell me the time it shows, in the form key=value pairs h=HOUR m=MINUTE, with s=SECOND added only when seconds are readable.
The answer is h=2 m=59
